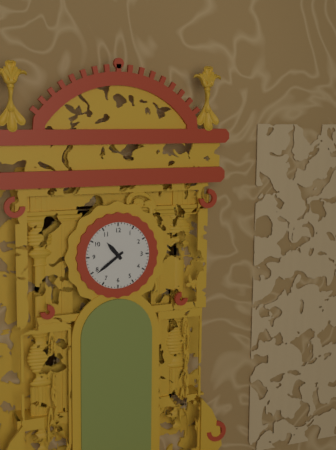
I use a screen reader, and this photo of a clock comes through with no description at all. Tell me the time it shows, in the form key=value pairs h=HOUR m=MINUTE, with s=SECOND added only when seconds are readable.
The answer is h=10 m=39
